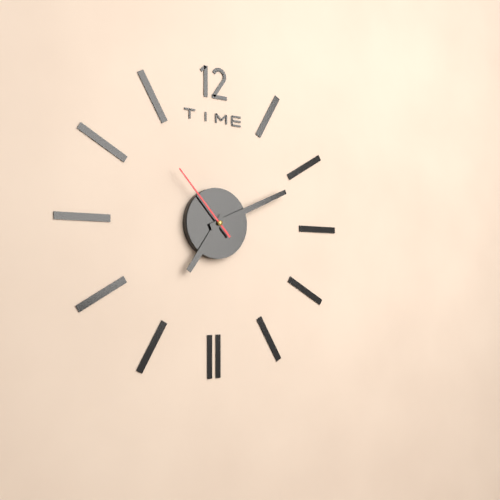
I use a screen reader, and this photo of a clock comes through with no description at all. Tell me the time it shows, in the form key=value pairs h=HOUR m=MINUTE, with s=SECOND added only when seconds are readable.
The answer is h=7 m=11 s=53
